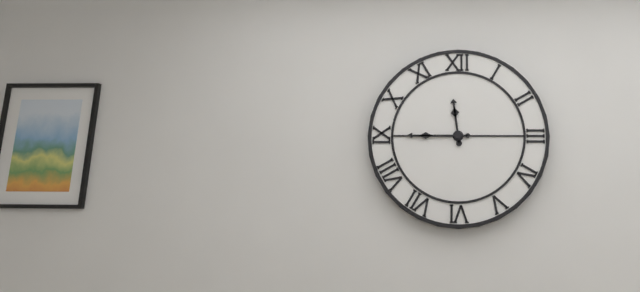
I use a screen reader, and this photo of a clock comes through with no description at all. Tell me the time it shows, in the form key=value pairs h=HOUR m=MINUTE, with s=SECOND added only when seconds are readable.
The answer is h=11 m=45
